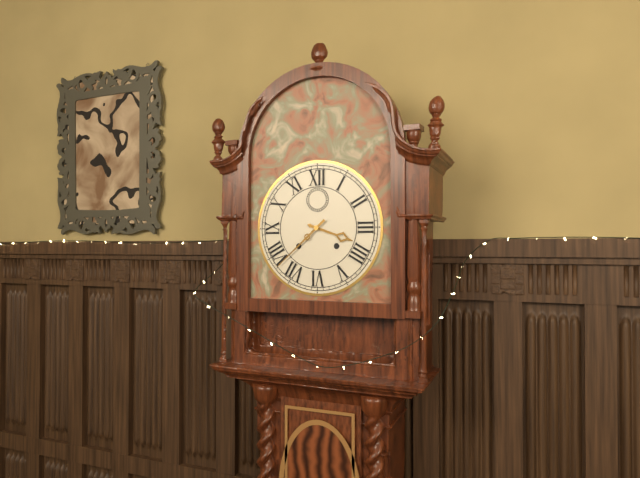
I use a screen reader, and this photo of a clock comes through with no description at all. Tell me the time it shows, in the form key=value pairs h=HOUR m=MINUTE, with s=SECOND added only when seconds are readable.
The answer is h=3 m=38
